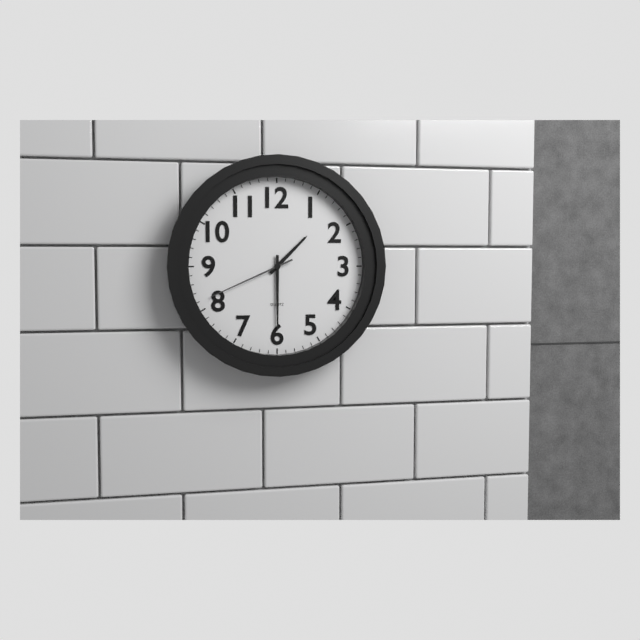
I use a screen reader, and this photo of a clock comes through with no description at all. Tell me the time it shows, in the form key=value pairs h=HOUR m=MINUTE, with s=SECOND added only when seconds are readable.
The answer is h=1 m=30 s=41
